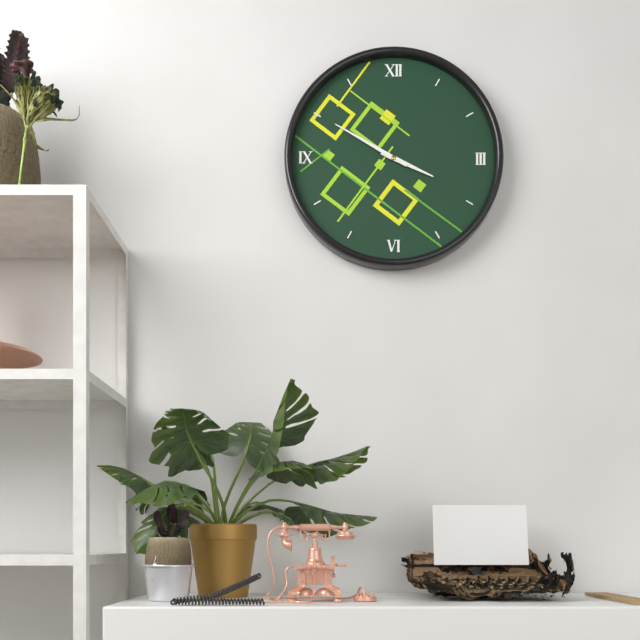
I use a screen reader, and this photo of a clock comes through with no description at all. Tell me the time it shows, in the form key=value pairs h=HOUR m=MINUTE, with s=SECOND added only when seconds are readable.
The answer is h=3 m=50
